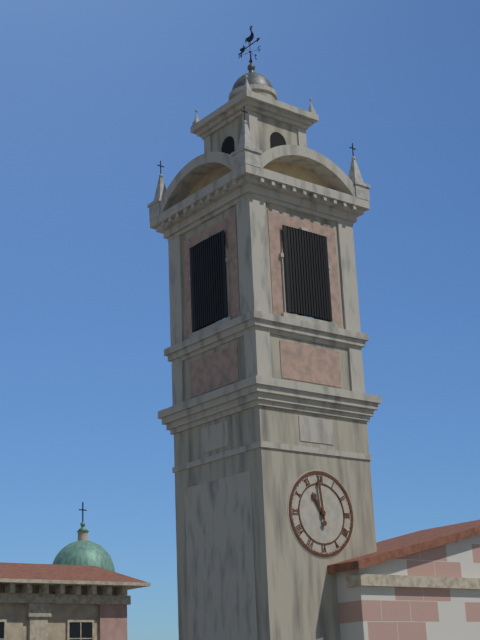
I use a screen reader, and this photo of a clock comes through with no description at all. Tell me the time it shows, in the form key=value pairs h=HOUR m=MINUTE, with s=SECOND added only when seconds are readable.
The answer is h=10 m=59
